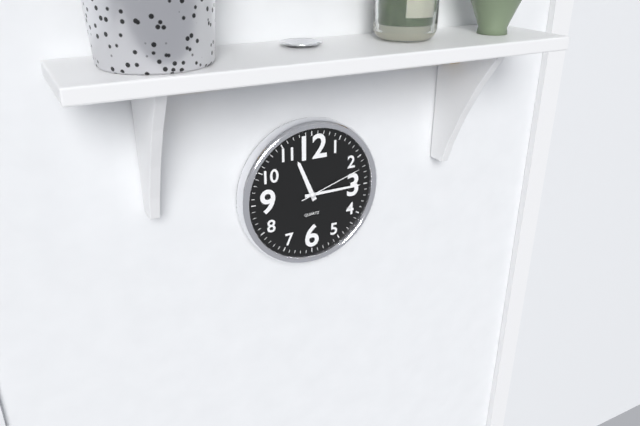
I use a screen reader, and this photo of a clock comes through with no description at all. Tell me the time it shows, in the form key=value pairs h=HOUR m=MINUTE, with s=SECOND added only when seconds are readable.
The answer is h=11 m=15 s=12
